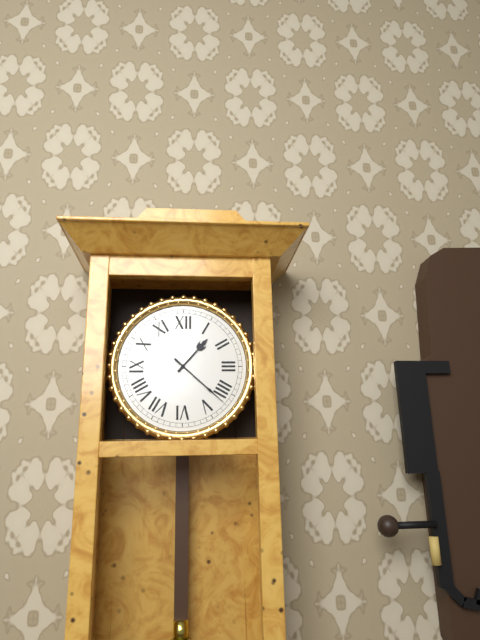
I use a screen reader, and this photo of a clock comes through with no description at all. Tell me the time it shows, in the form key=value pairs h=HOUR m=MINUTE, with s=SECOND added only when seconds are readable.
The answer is h=1 m=22
